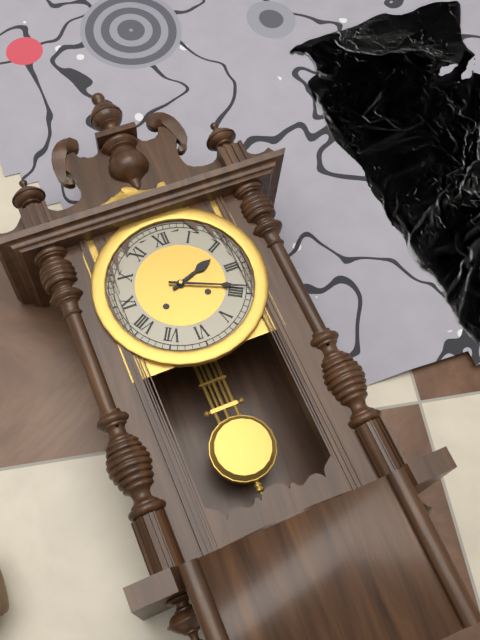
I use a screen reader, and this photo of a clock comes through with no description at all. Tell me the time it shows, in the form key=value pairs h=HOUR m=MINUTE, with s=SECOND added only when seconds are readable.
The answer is h=2 m=19
